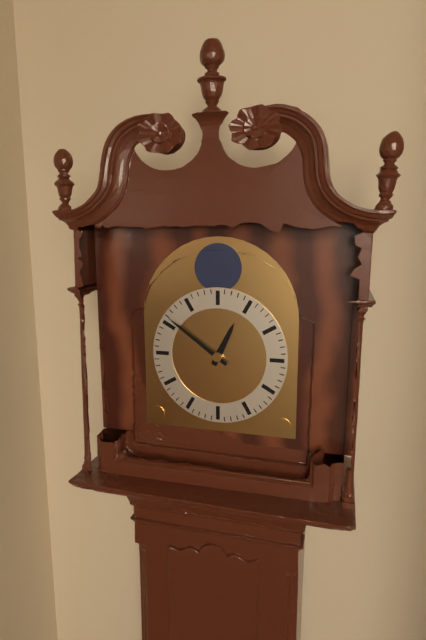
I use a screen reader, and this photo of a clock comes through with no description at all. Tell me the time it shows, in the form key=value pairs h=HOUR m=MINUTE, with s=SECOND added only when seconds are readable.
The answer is h=12 m=51
